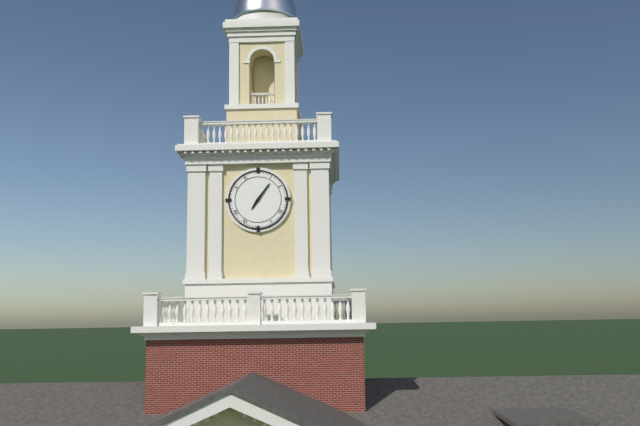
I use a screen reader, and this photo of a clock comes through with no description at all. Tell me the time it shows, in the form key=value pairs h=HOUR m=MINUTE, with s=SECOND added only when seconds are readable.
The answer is h=7 m=6
